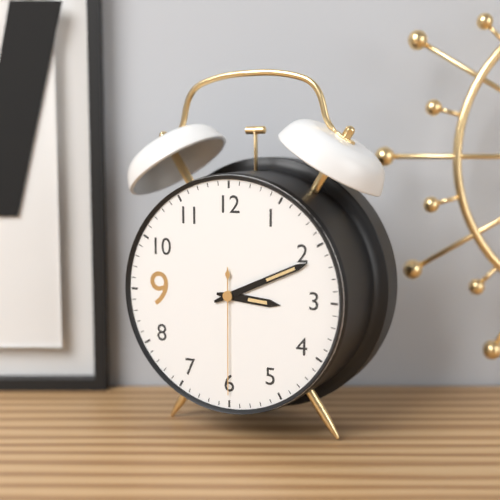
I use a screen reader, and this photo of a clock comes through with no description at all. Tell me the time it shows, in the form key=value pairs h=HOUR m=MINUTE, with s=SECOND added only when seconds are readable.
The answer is h=3 m=11 s=30
